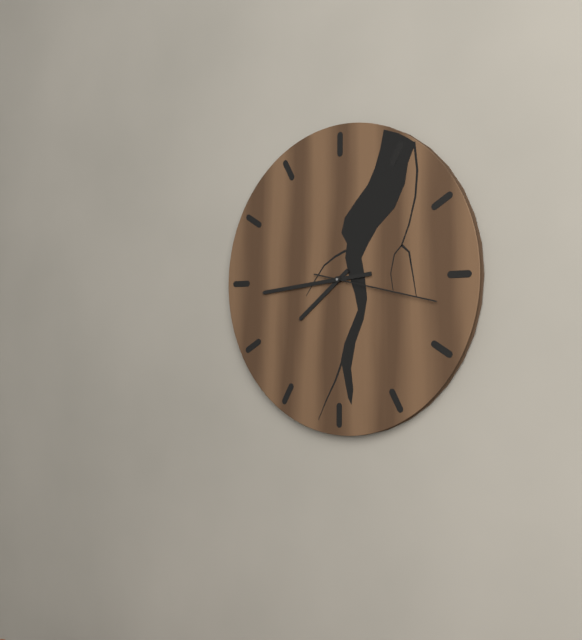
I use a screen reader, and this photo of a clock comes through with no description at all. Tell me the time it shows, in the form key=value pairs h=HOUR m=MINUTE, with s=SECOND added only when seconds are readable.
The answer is h=7 m=44 s=17
